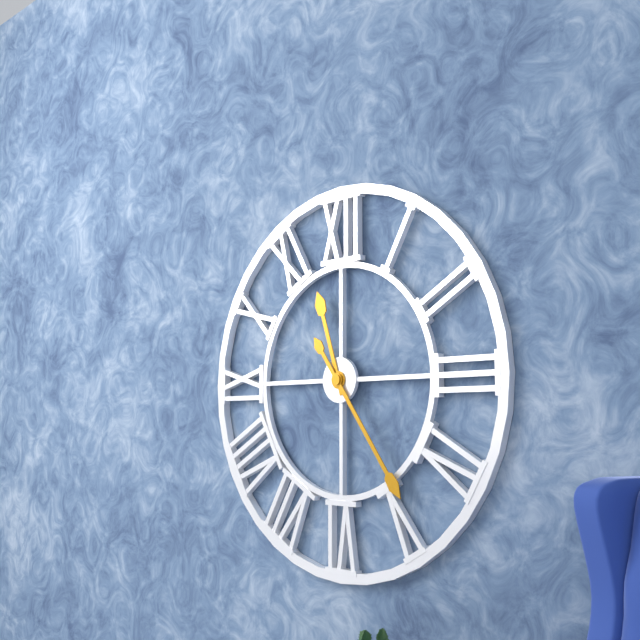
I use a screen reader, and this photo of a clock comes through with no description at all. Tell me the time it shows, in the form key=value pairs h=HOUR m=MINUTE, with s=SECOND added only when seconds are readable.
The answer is h=11 m=24
